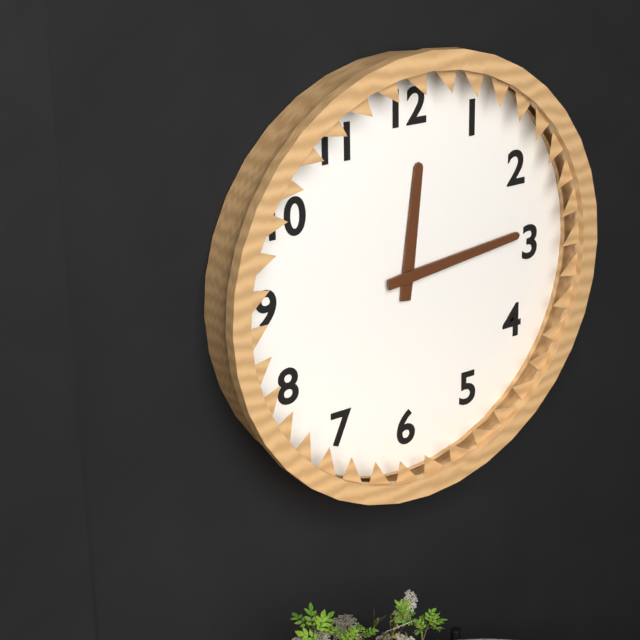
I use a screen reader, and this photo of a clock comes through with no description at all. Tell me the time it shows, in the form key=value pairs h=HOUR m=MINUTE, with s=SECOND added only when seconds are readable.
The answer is h=12 m=14
